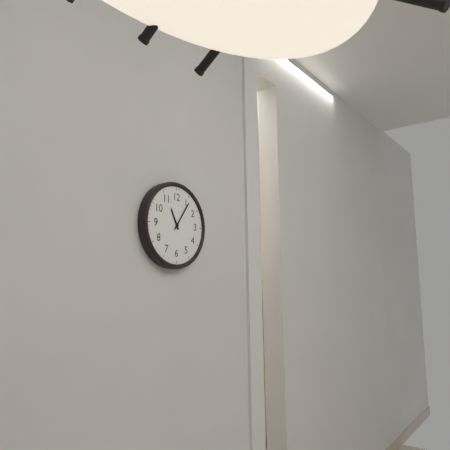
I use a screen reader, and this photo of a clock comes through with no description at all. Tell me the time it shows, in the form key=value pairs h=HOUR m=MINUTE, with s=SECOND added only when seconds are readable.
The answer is h=11 m=6
